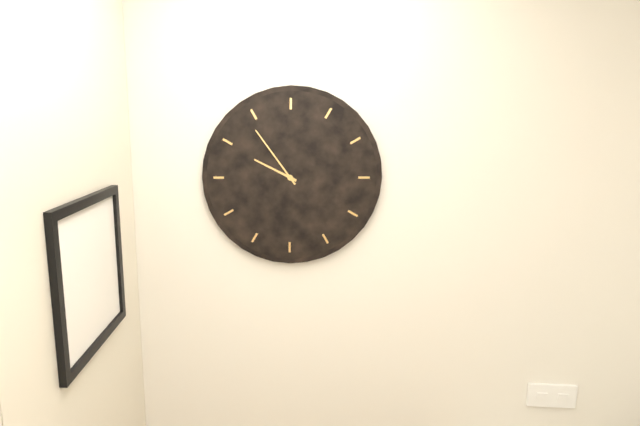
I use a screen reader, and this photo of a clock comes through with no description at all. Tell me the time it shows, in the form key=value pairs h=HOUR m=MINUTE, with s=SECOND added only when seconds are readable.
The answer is h=9 m=54
